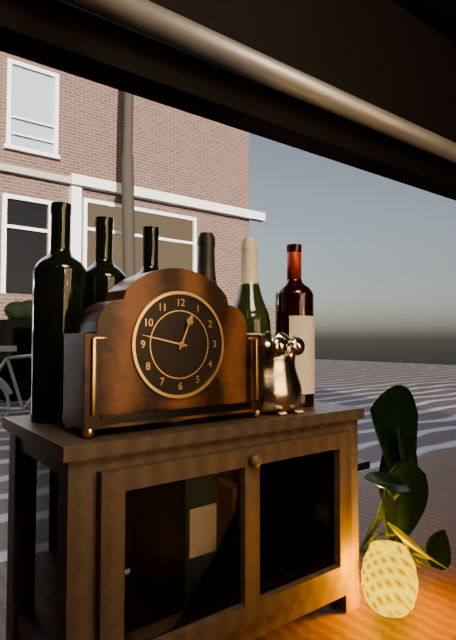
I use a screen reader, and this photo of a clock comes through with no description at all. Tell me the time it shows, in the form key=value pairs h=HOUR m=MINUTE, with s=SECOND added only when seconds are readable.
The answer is h=12 m=47
